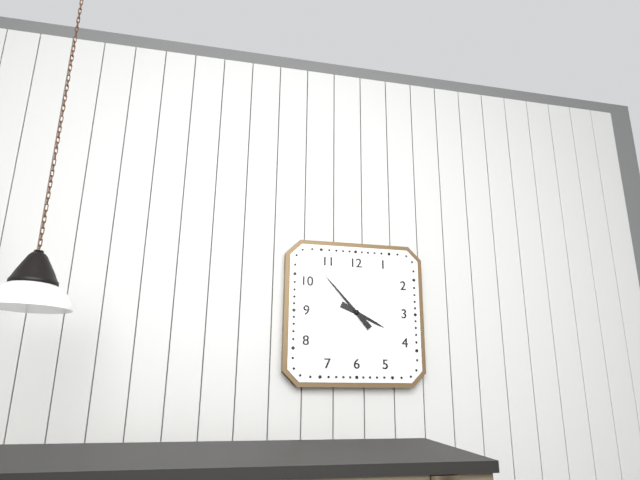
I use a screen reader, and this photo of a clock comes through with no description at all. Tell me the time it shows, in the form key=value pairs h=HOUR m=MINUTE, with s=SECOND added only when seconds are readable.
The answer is h=3 m=53
